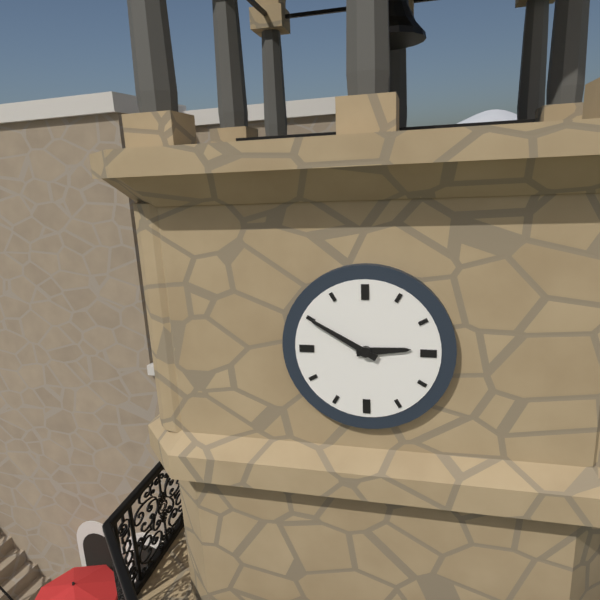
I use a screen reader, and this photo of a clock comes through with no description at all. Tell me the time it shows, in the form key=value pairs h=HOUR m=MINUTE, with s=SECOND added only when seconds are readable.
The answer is h=2 m=50
